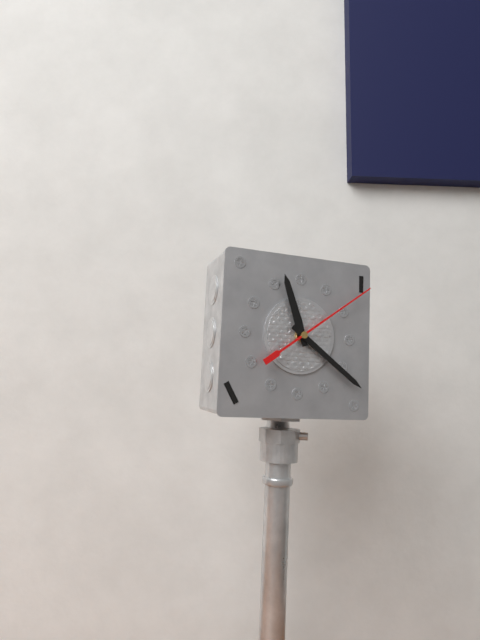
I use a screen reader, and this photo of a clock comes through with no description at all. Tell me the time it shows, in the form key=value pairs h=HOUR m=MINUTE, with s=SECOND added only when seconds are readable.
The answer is h=11 m=21 s=9
